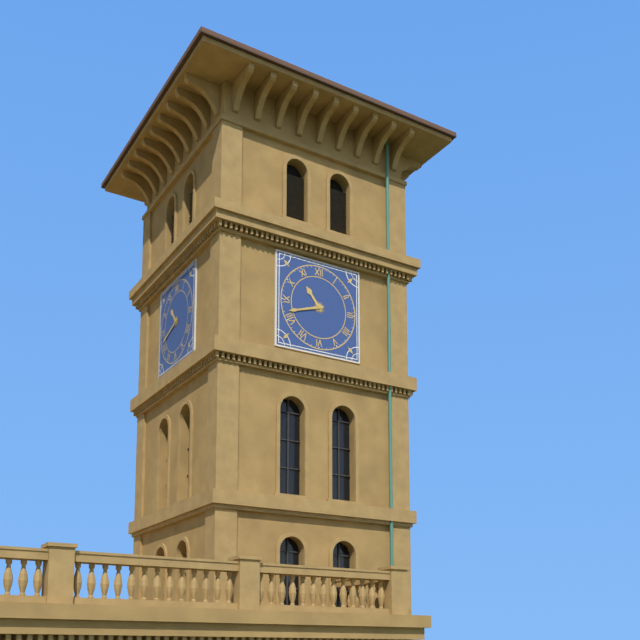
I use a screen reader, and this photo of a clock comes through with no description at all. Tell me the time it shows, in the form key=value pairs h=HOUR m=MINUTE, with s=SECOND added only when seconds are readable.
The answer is h=10 m=42
